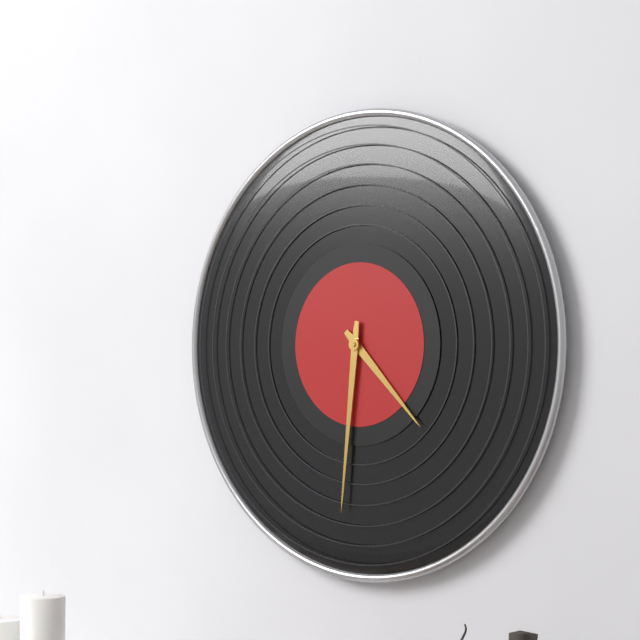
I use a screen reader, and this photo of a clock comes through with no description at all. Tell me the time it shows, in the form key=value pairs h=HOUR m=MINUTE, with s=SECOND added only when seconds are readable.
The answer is h=4 m=31
